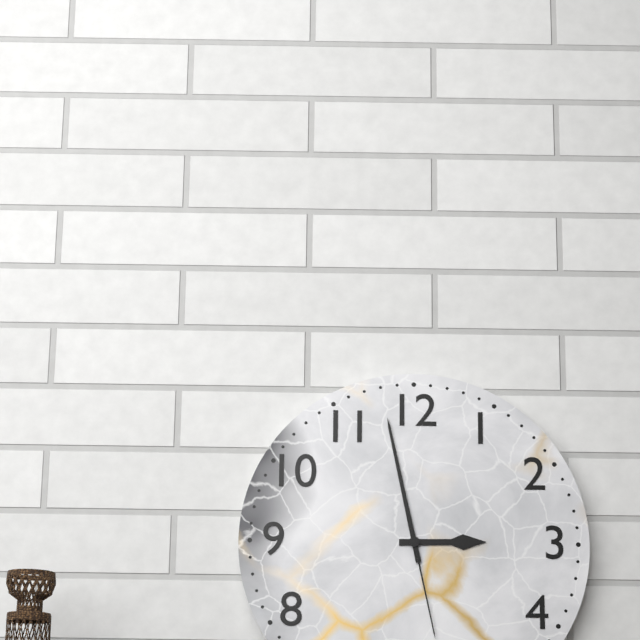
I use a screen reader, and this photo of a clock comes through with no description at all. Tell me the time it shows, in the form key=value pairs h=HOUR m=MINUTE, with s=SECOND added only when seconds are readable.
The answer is h=2 m=58 s=28
